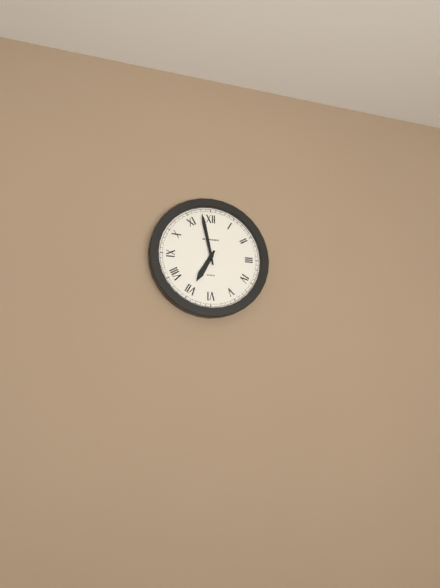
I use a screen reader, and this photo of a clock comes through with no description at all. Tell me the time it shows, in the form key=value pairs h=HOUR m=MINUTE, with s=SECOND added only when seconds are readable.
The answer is h=6 m=58
